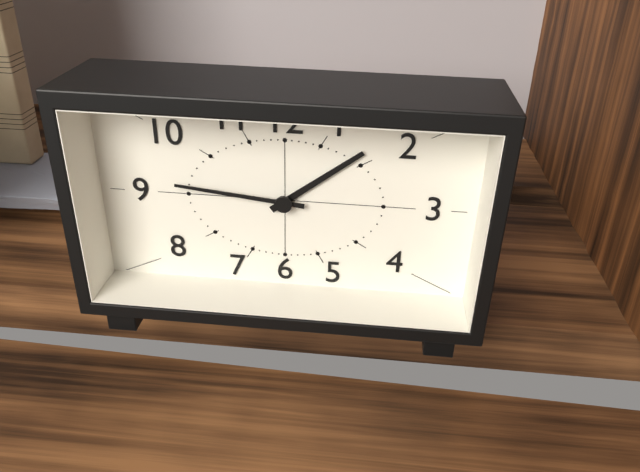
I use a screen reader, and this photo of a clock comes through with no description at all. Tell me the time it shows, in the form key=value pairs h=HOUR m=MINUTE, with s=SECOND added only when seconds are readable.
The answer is h=1 m=46
